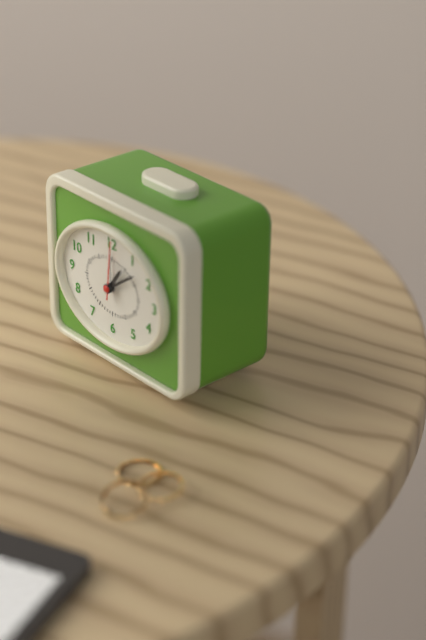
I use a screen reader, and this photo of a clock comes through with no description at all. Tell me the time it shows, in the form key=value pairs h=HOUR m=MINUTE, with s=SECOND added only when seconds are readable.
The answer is h=1 m=9 s=1
